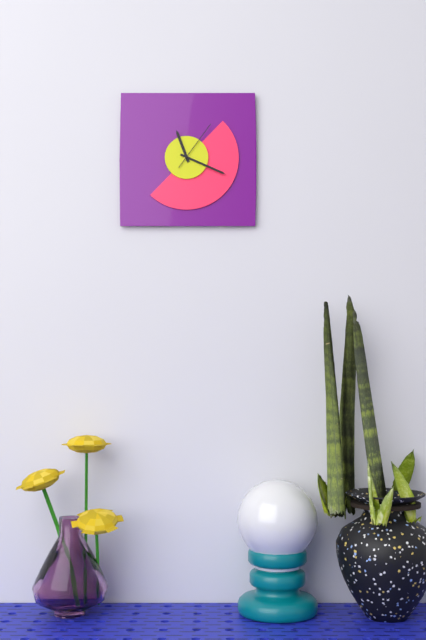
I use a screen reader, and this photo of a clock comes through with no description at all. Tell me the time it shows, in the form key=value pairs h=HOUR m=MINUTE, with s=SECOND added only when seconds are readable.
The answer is h=11 m=19 s=6
